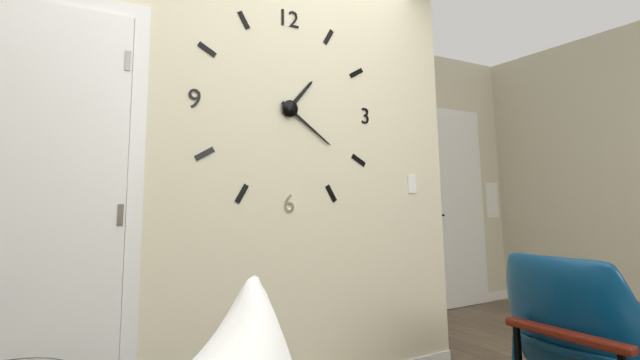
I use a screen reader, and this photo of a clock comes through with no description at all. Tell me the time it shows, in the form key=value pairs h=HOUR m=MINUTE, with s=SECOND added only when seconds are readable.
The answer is h=1 m=21
